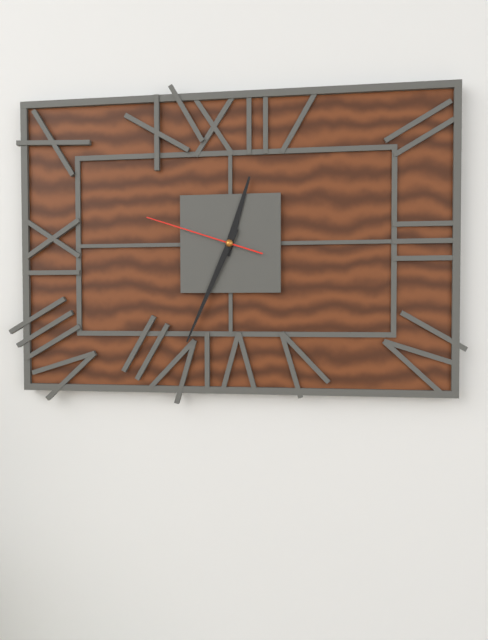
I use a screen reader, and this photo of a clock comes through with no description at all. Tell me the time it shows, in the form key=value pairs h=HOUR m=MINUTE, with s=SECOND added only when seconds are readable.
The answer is h=12 m=34 s=48
